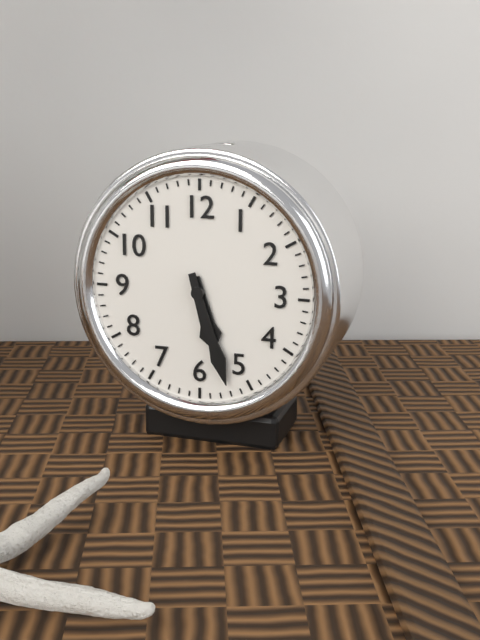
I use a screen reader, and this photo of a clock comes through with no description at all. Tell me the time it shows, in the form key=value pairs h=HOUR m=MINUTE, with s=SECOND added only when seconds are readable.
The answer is h=5 m=27
